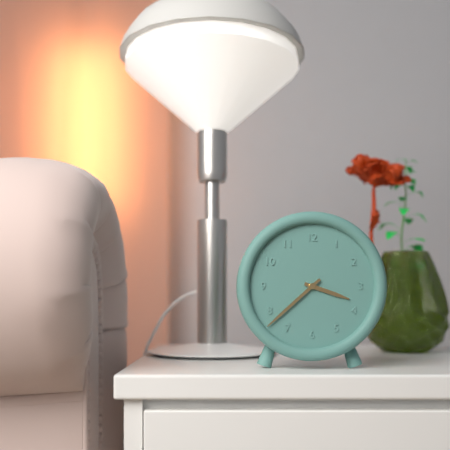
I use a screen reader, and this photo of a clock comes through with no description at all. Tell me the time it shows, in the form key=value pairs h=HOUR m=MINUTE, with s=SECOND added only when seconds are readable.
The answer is h=3 m=38
